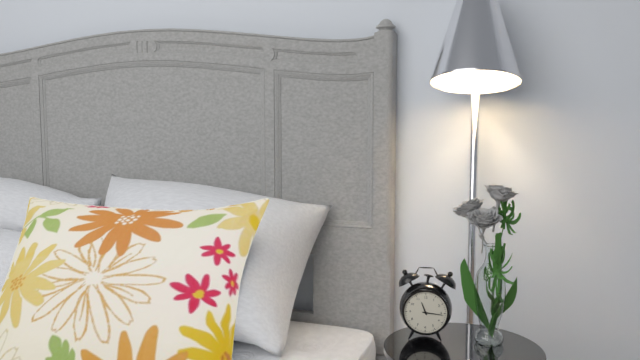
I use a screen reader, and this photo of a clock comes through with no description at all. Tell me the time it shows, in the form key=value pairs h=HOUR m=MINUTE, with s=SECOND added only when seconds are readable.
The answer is h=11 m=16
